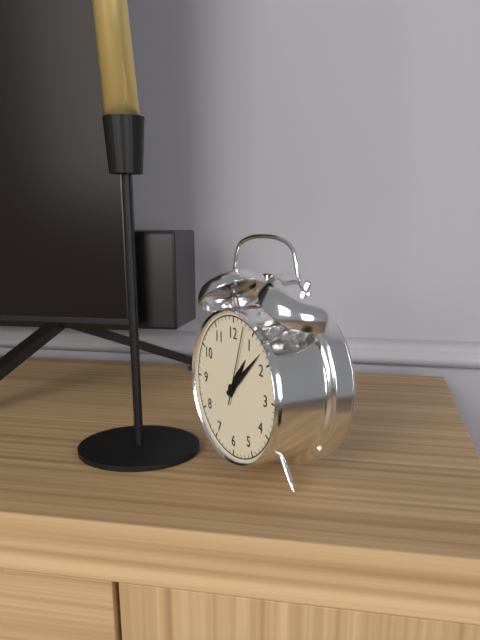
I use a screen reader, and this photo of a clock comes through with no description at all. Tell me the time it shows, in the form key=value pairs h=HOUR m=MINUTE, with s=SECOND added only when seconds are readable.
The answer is h=1 m=8 s=3
